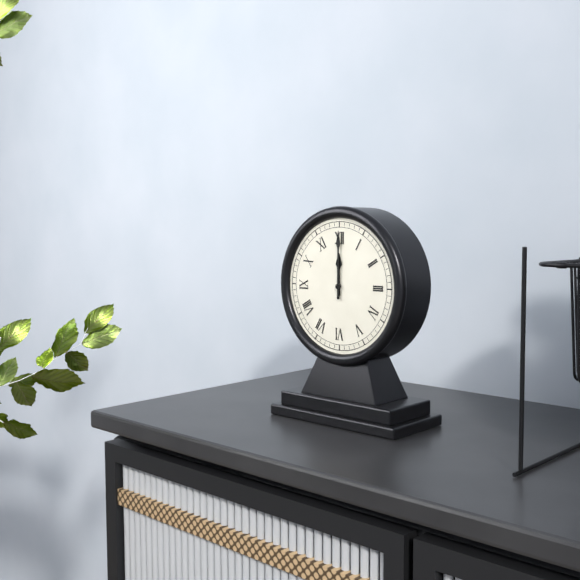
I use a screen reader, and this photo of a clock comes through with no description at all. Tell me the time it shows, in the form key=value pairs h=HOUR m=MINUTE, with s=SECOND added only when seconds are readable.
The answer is h=12 m=0
